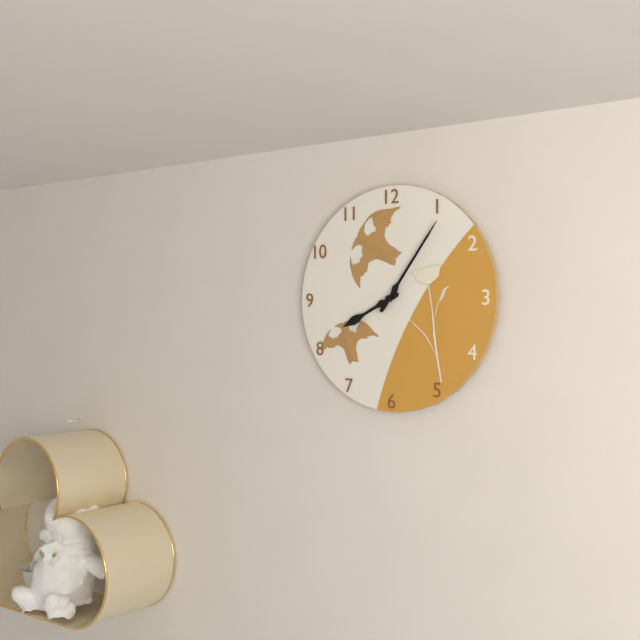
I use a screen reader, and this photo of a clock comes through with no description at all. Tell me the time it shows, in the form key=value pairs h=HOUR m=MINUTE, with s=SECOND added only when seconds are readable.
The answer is h=8 m=6
